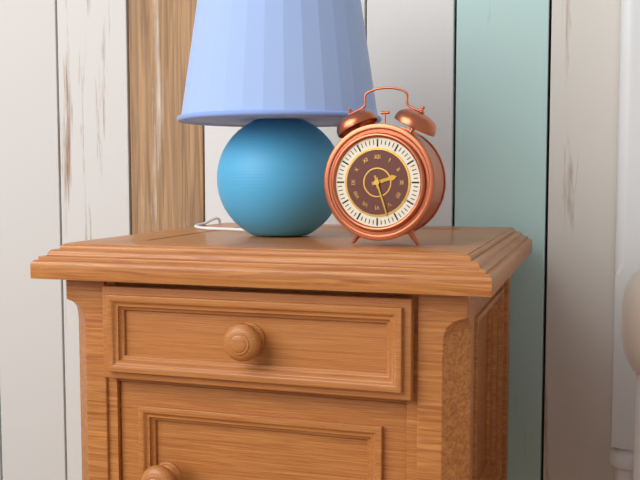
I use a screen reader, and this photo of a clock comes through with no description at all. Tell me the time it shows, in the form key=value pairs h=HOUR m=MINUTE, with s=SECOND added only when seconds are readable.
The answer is h=2 m=27
